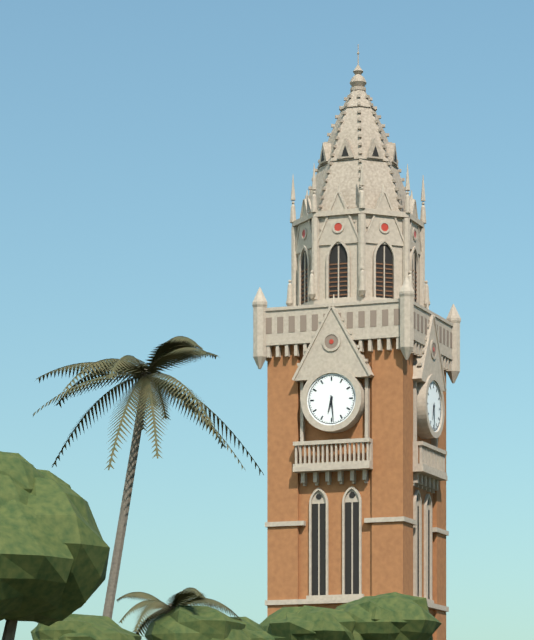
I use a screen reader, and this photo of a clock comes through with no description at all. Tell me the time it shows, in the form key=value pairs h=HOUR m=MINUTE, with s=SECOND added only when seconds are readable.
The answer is h=6 m=29
